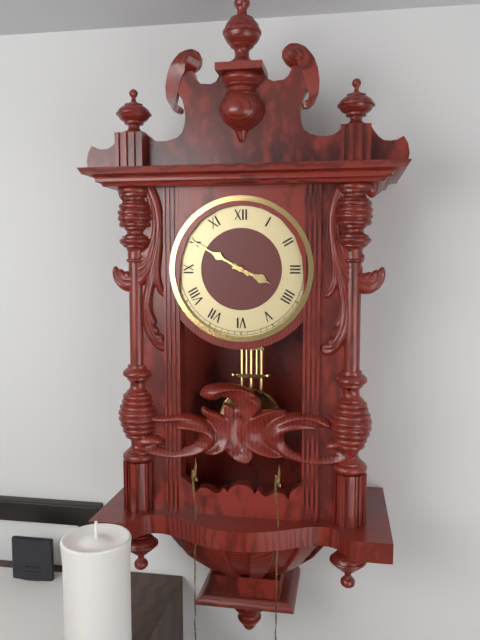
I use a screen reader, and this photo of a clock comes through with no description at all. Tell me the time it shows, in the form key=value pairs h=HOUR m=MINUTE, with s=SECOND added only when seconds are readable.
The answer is h=3 m=50
